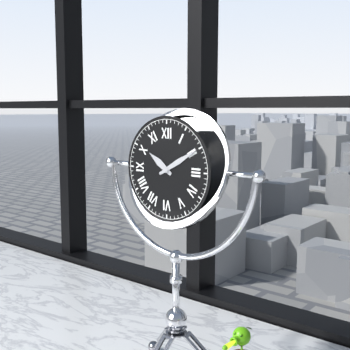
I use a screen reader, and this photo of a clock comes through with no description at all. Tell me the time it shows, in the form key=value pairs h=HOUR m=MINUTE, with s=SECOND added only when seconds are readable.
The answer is h=10 m=10
